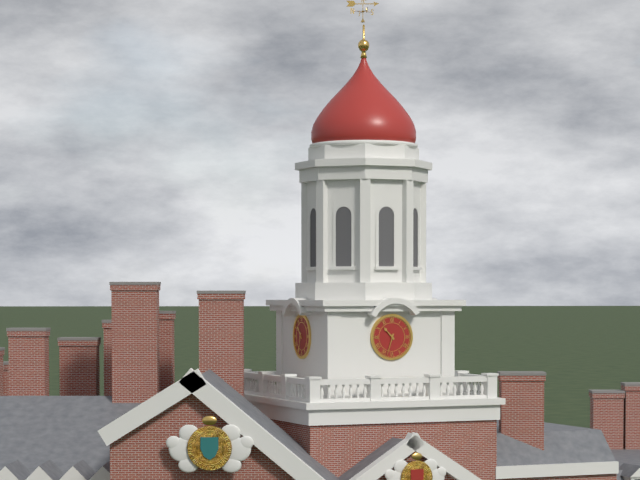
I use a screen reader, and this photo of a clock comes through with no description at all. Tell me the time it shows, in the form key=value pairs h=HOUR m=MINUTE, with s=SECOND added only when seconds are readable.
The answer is h=10 m=33
